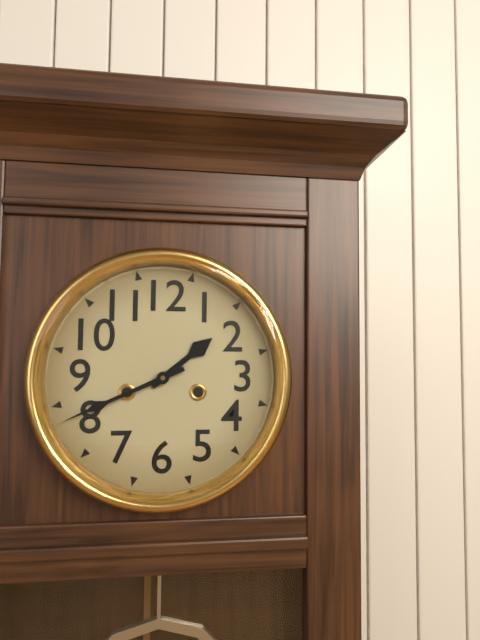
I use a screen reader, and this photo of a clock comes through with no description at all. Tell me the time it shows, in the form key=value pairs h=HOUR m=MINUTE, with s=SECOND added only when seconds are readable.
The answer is h=1 m=41
